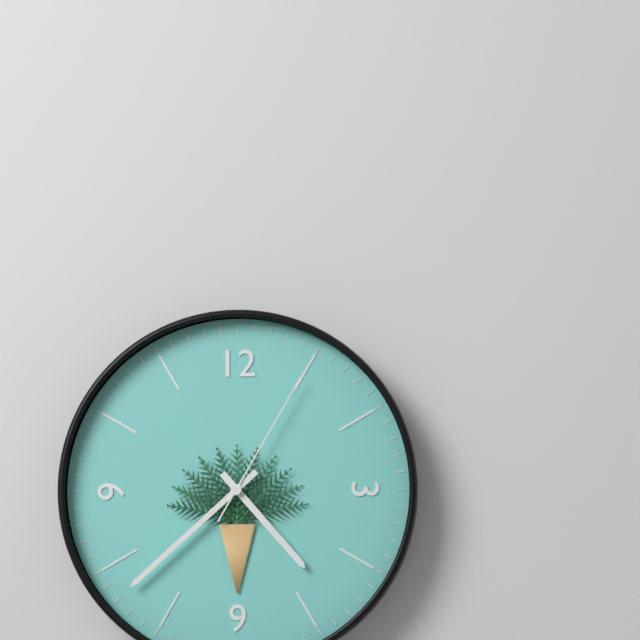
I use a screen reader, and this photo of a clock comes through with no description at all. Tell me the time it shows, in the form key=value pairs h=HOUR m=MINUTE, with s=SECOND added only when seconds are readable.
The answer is h=4 m=38 s=5
